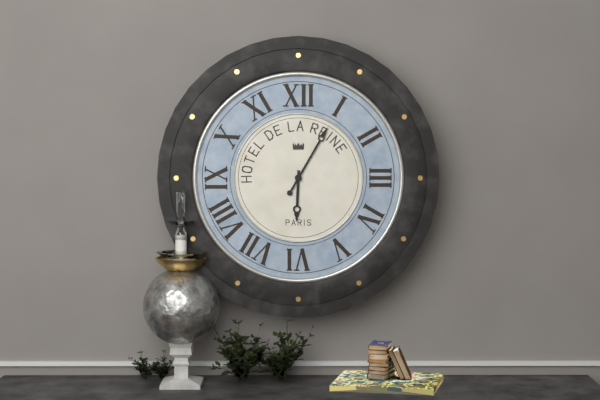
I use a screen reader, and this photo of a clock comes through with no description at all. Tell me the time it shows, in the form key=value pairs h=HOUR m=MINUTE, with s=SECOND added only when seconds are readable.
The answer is h=6 m=5
